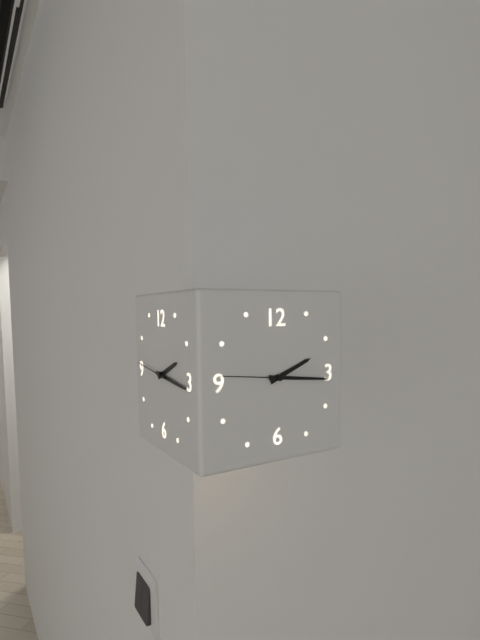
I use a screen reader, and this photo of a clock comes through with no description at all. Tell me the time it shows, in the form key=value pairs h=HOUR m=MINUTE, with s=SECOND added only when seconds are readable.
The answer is h=2 m=16 s=46
